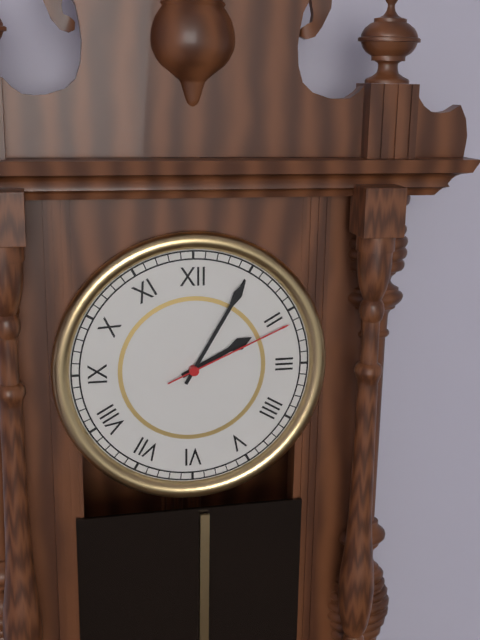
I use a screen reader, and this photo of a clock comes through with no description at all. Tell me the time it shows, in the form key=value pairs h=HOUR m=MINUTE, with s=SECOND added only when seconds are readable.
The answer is h=2 m=5 s=11
